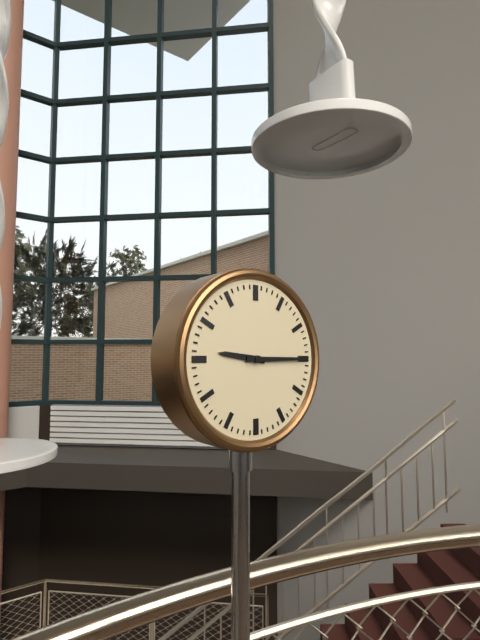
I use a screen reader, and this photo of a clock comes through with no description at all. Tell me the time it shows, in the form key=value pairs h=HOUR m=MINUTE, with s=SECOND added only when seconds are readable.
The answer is h=9 m=15
